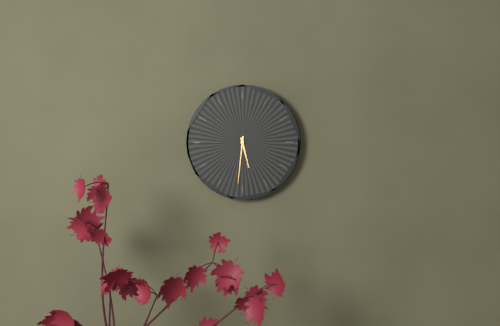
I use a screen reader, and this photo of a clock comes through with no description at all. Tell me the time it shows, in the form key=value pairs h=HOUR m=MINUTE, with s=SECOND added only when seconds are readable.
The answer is h=5 m=31
